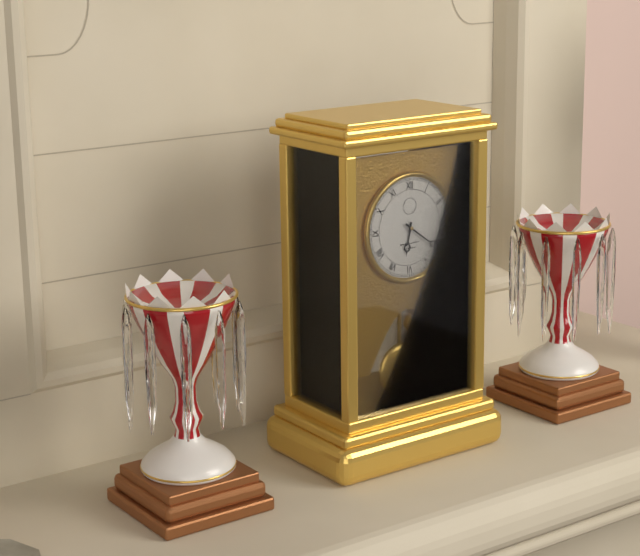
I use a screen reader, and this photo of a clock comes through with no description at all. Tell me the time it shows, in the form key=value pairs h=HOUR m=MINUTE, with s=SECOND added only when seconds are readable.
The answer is h=6 m=21
